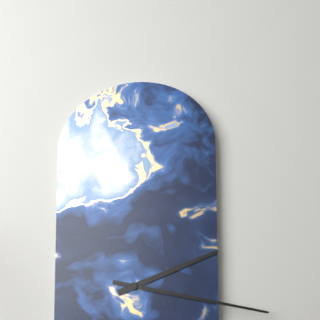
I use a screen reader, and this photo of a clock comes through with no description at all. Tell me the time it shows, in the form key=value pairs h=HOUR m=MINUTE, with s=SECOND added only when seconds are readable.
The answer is h=2 m=17
